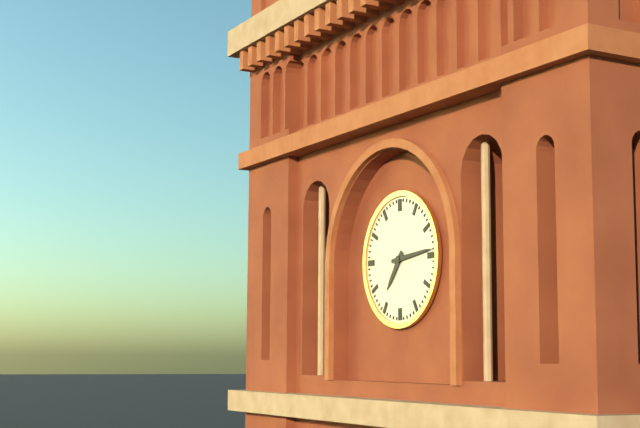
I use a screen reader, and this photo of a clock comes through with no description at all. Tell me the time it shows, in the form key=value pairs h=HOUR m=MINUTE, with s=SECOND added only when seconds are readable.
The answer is h=7 m=14
